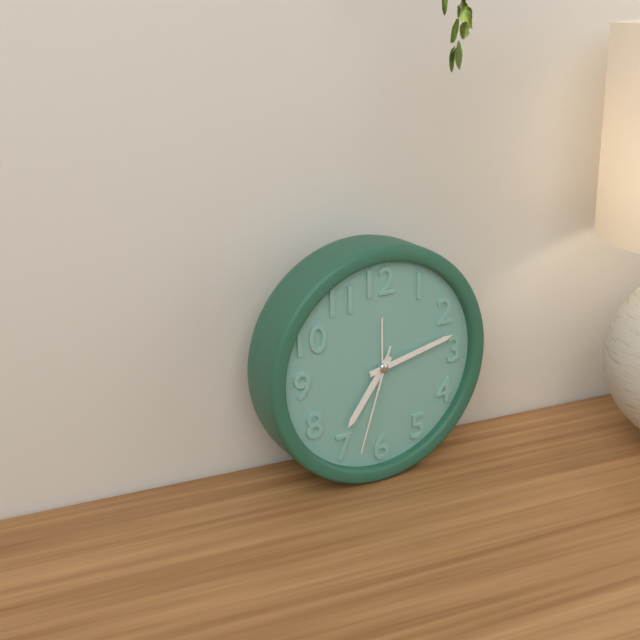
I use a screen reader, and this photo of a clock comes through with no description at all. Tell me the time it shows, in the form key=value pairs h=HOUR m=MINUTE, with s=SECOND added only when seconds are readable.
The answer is h=7 m=13 s=33
